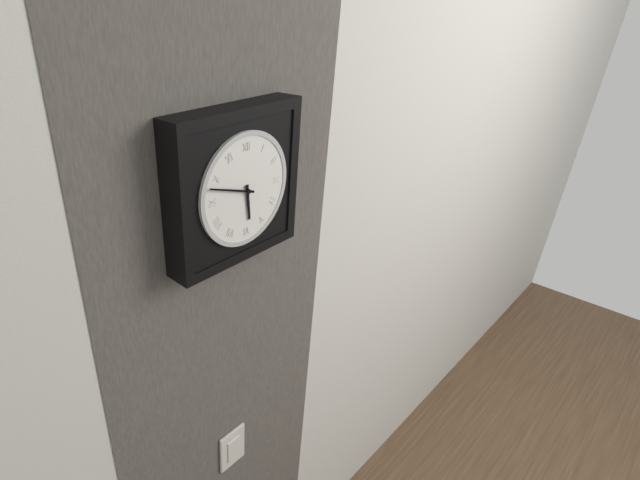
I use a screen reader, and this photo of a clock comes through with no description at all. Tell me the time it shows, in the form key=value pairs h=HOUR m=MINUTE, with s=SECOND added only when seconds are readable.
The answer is h=5 m=48
